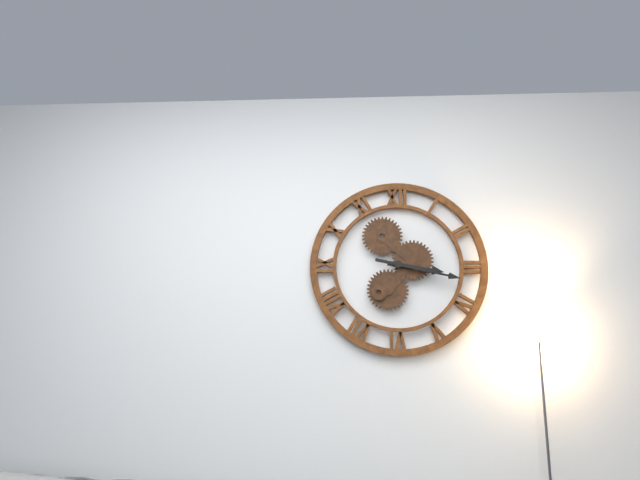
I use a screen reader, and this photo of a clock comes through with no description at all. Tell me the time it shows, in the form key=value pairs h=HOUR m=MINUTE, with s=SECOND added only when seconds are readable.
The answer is h=3 m=17
